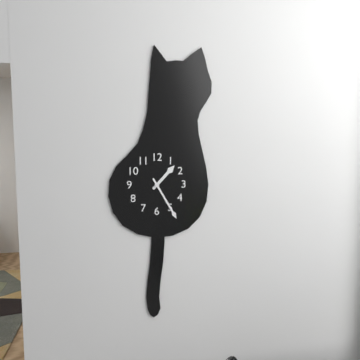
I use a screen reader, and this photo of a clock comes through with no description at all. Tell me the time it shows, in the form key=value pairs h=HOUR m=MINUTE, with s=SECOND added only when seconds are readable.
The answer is h=1 m=25
